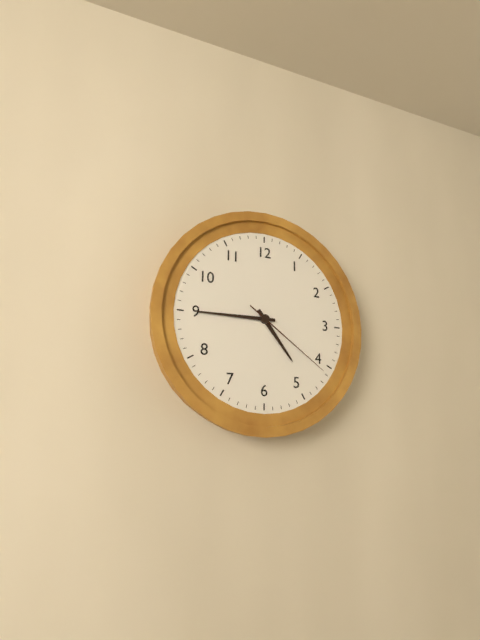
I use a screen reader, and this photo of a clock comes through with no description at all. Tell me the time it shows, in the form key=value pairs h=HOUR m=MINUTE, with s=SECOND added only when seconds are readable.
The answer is h=4 m=45 s=21
